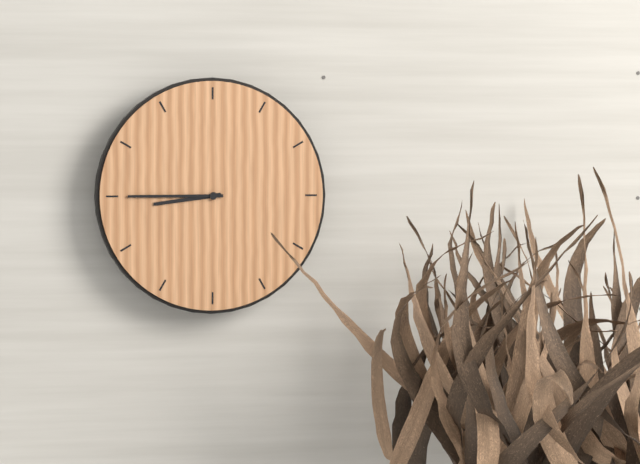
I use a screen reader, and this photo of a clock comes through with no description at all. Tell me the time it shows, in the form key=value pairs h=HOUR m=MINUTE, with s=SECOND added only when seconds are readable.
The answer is h=8 m=45
